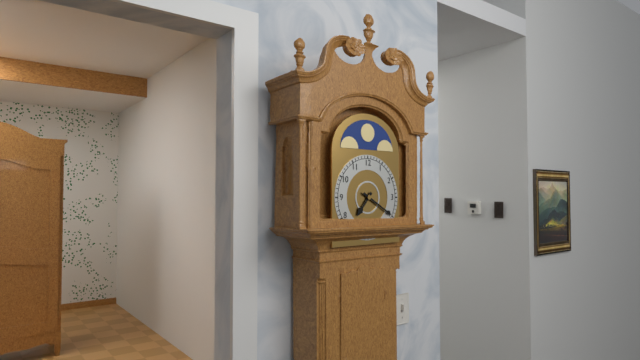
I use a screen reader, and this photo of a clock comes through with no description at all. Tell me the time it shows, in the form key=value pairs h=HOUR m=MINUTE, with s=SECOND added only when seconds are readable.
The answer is h=7 m=20
